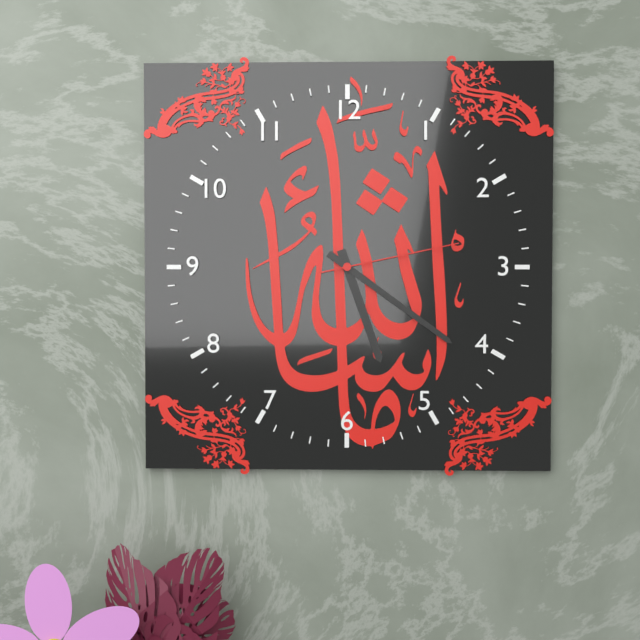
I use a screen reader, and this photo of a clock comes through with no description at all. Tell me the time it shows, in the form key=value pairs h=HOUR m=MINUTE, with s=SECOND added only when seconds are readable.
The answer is h=5 m=21 s=13
